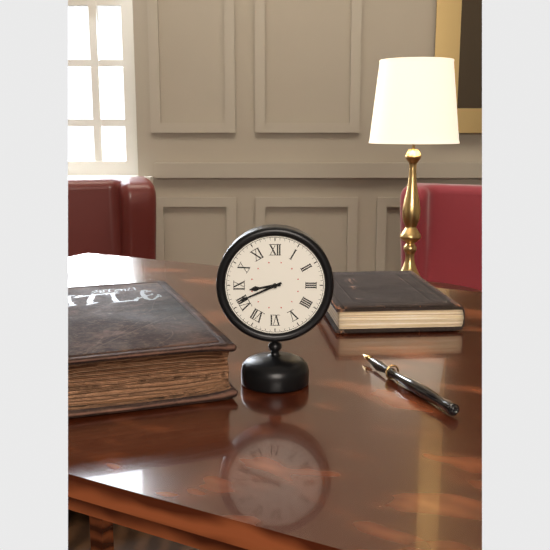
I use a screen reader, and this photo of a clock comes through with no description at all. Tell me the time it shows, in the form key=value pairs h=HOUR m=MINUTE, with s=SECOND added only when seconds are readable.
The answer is h=8 m=41
